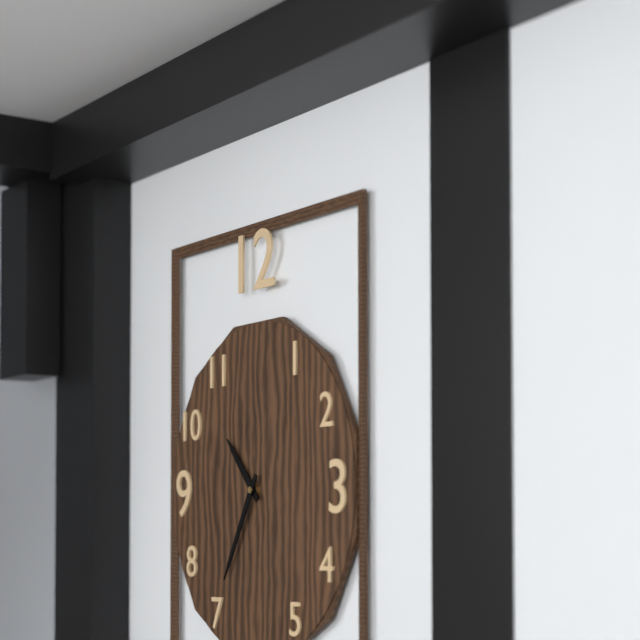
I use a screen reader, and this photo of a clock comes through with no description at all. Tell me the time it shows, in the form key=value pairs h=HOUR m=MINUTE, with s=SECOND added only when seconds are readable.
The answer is h=10 m=35
